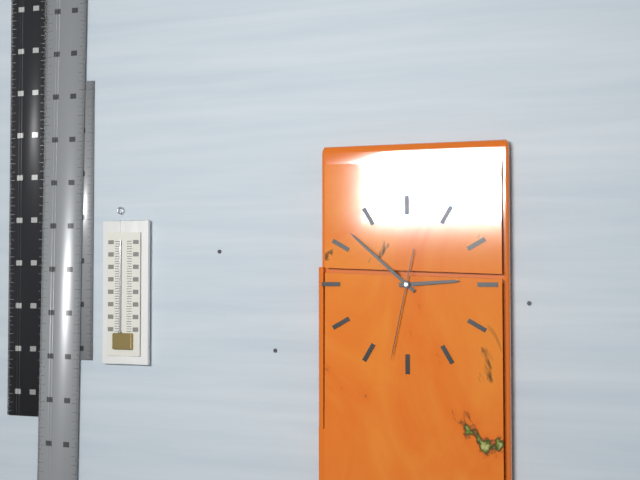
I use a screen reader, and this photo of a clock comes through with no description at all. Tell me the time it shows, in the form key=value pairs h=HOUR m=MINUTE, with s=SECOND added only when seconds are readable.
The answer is h=2 m=52 s=32
